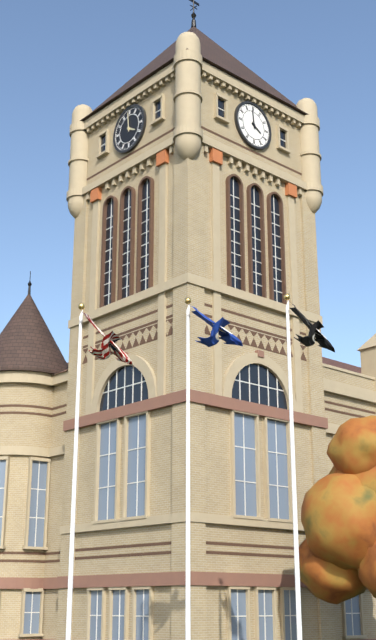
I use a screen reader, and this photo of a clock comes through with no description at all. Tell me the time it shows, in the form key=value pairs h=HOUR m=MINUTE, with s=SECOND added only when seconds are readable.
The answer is h=3 m=59
